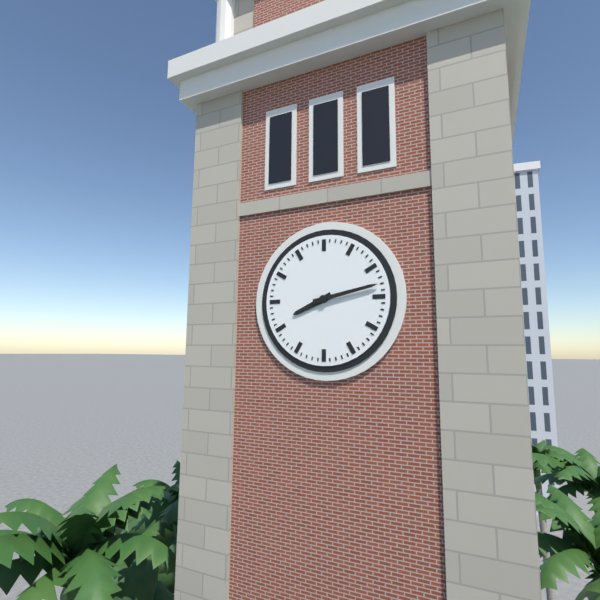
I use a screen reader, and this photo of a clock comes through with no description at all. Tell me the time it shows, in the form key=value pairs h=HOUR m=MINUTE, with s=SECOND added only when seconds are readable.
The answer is h=8 m=13
